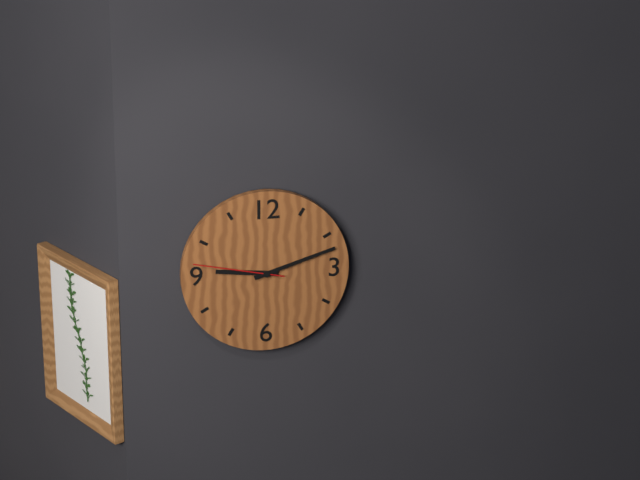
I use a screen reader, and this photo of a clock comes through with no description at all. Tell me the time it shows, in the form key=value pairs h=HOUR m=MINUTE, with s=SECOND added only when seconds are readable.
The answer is h=9 m=12 s=47
